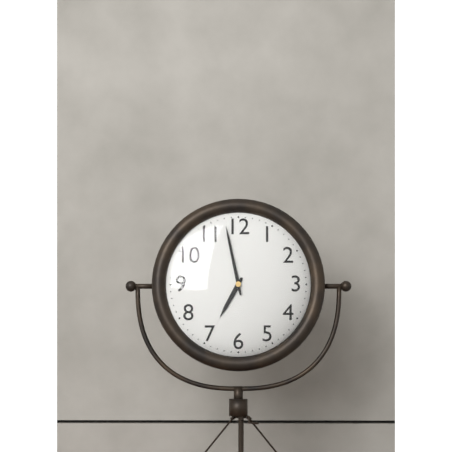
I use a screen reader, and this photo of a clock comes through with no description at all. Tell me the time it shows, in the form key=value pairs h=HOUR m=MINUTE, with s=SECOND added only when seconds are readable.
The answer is h=6 m=58
